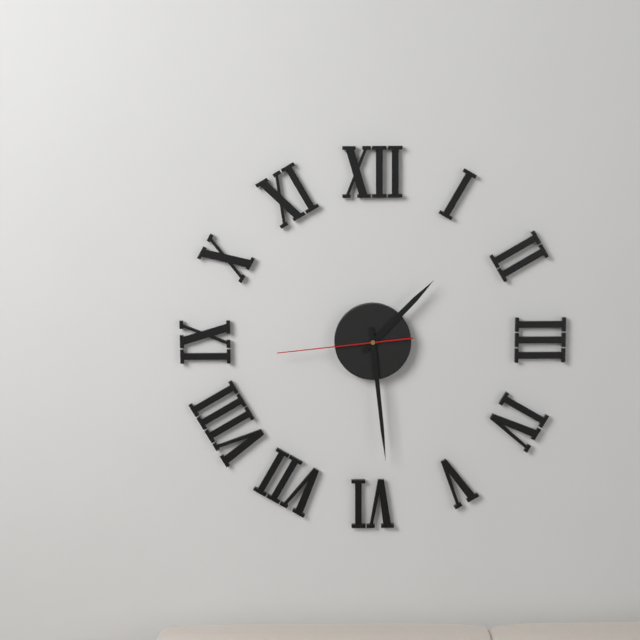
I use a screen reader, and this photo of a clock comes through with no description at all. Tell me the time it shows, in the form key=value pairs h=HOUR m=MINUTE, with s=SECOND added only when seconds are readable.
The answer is h=1 m=29 s=44
